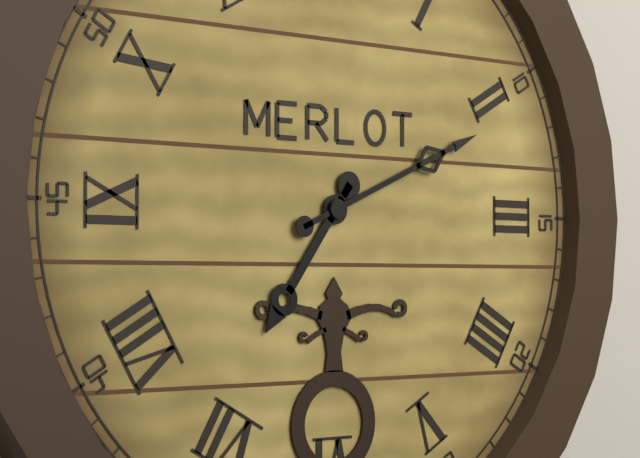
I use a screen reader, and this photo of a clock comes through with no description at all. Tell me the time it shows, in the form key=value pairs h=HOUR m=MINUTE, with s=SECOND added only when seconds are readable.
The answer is h=7 m=11
